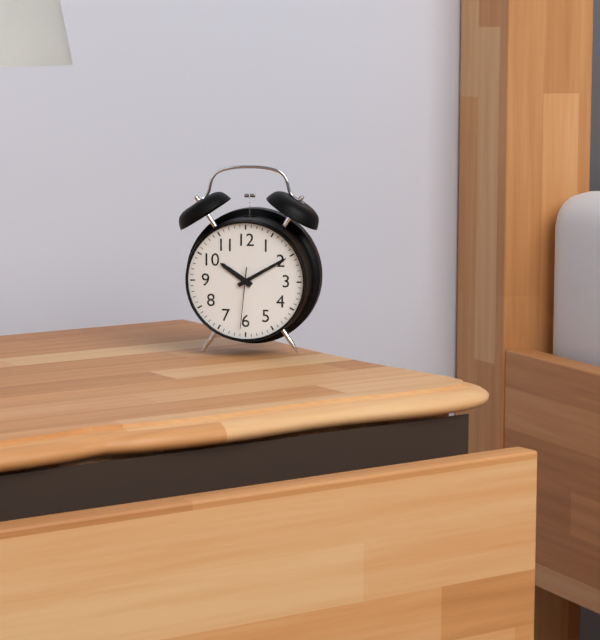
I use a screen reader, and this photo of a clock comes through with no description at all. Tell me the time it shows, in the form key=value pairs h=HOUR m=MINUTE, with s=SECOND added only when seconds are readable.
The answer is h=10 m=10 s=31
